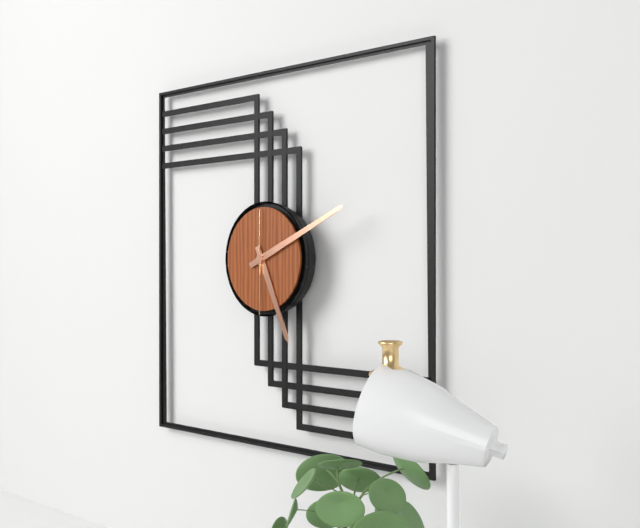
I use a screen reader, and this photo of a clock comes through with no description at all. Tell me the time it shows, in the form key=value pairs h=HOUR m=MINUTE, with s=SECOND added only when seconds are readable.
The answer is h=5 m=11 s=30
